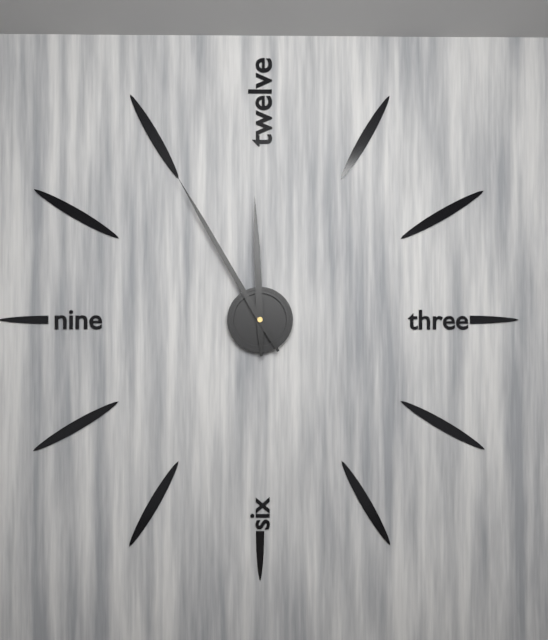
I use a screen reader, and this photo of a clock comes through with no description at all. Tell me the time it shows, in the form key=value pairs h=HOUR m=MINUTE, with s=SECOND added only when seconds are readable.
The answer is h=11 m=55
